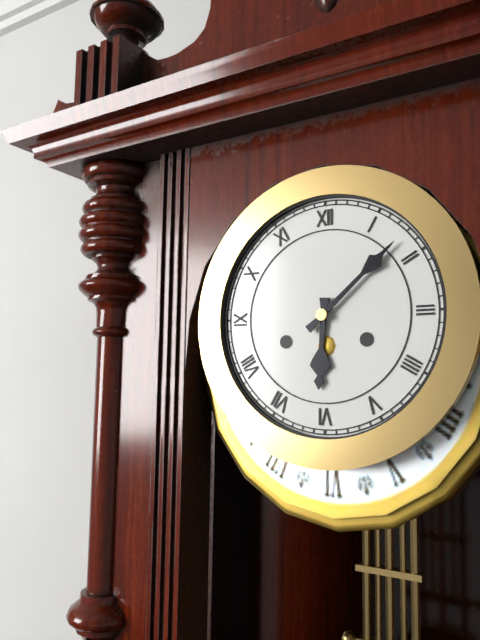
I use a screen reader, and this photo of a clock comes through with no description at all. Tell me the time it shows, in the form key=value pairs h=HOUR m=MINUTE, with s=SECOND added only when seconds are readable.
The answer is h=6 m=8
